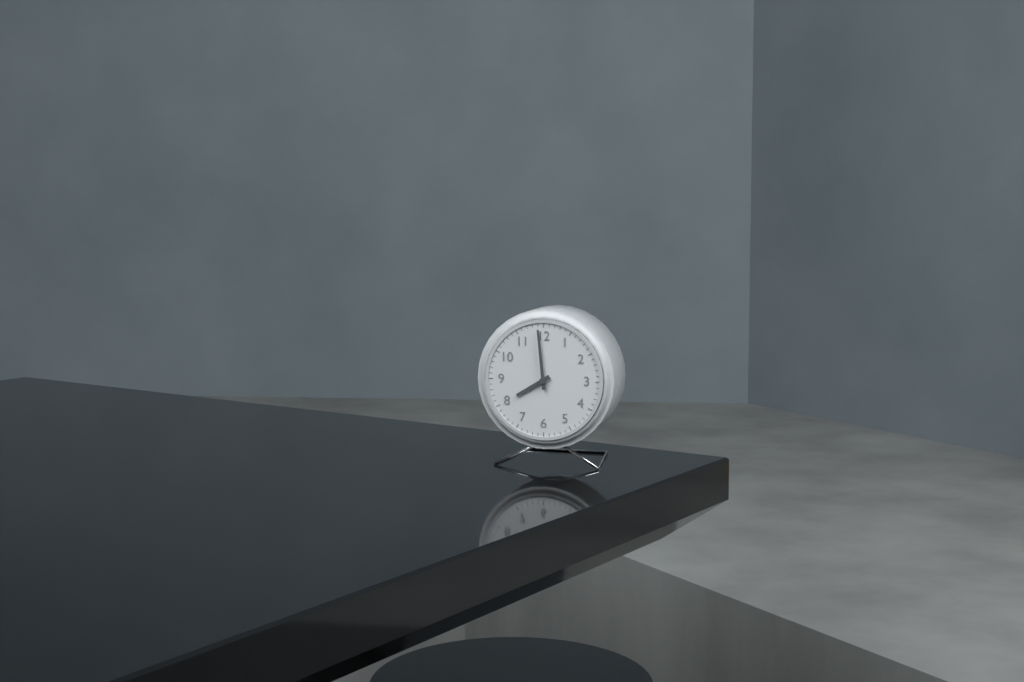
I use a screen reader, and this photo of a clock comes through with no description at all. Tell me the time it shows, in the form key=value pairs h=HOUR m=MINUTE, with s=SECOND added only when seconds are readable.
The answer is h=7 m=59
